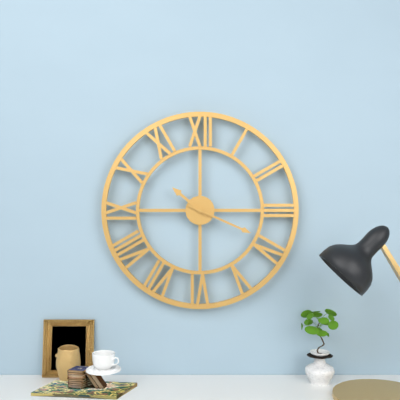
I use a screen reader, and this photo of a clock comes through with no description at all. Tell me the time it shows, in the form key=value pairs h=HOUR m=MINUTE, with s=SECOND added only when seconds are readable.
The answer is h=10 m=19
